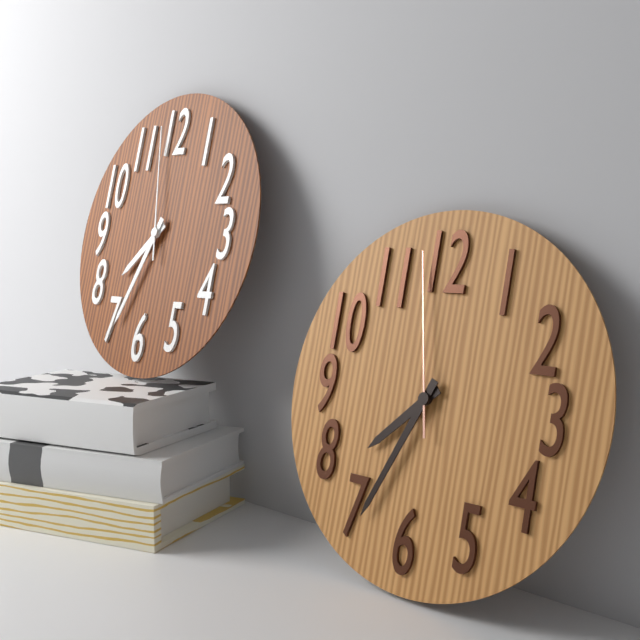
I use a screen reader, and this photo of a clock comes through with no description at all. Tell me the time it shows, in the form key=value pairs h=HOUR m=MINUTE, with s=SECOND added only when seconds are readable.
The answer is h=7 m=34 s=58
